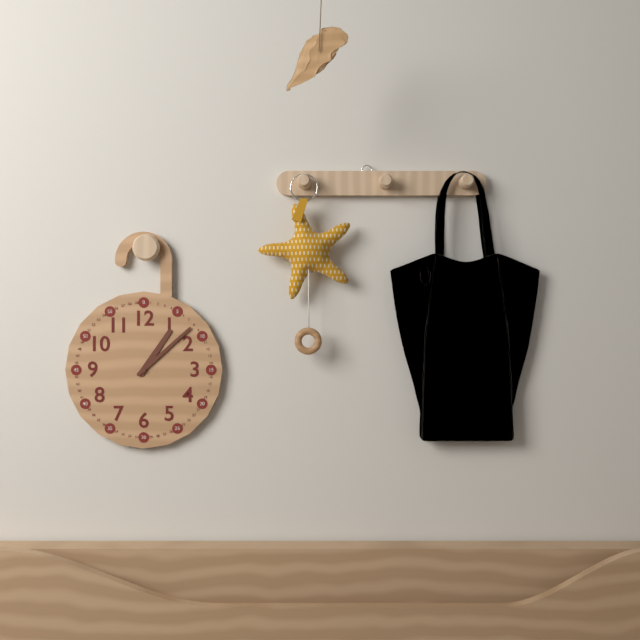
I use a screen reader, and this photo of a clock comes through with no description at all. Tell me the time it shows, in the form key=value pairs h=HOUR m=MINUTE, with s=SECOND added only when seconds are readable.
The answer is h=1 m=8
